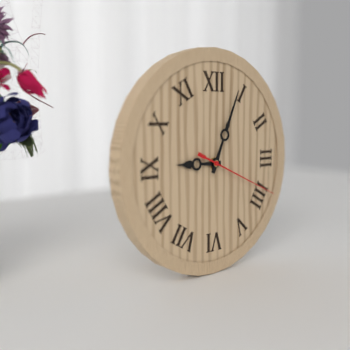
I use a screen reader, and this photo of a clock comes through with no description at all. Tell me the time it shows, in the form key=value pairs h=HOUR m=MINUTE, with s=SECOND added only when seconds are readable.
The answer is h=9 m=4 s=19
